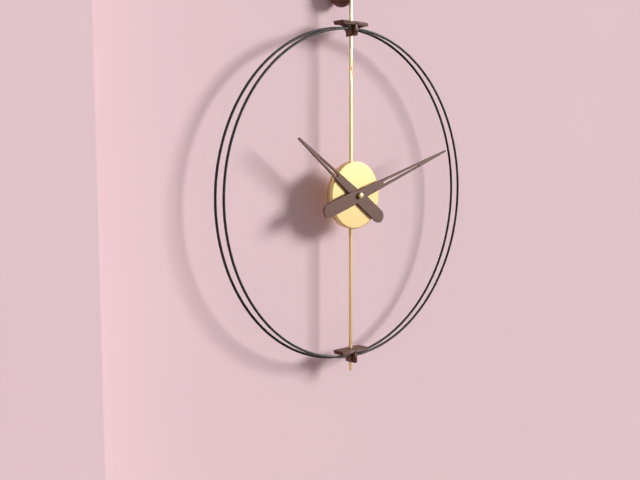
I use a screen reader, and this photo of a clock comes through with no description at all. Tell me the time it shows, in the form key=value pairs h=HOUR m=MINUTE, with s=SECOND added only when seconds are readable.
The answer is h=10 m=12
